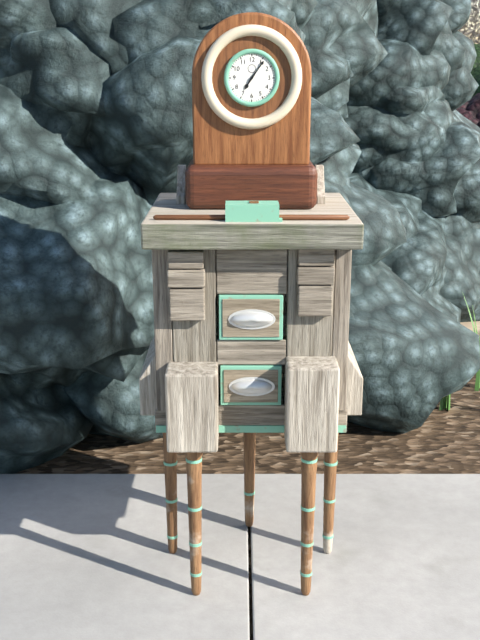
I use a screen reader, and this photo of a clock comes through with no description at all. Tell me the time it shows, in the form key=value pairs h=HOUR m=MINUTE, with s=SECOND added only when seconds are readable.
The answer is h=7 m=6
